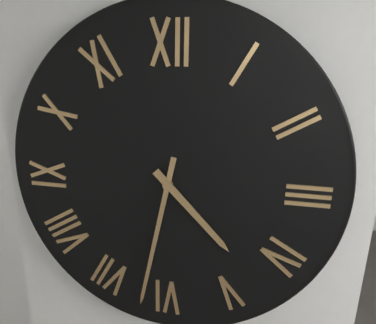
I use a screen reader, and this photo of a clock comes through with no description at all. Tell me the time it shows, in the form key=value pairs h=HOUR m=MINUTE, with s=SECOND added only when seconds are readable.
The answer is h=4 m=32
